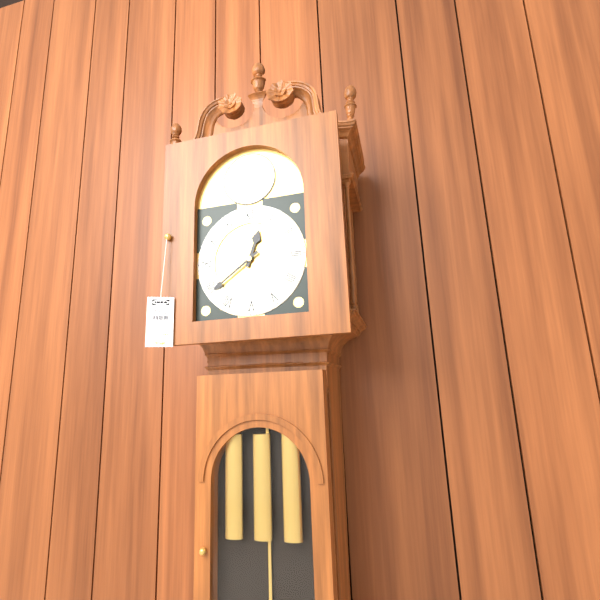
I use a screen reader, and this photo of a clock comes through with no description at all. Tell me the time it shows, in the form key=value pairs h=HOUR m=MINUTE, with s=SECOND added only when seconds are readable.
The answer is h=12 m=39
